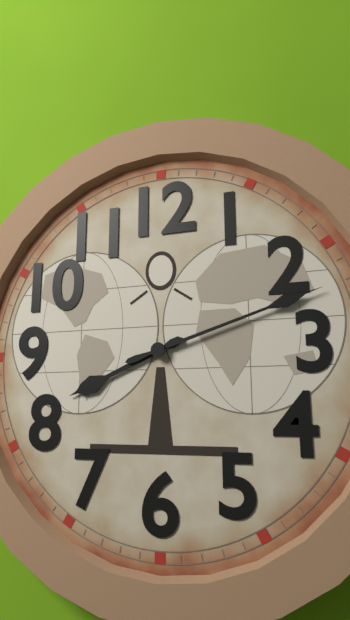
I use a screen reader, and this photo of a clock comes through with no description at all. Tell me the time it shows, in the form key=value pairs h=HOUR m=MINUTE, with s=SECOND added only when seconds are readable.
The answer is h=8 m=12
